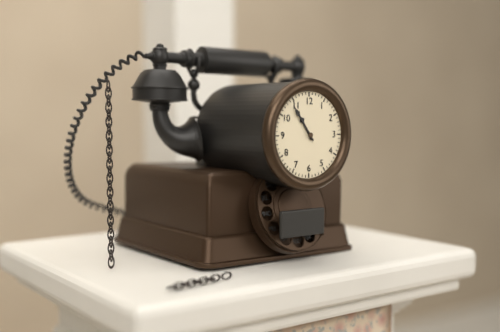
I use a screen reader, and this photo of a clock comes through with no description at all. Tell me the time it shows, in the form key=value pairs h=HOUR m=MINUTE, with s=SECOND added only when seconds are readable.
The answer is h=10 m=54
